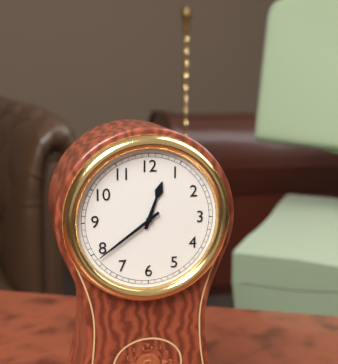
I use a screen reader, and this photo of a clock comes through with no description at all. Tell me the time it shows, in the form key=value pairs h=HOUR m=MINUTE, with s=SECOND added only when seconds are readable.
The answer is h=12 m=39
